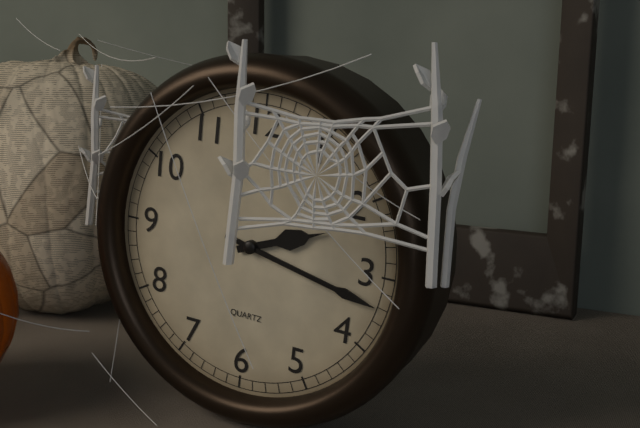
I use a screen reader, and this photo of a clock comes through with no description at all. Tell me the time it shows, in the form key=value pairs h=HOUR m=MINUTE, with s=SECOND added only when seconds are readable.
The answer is h=2 m=17
